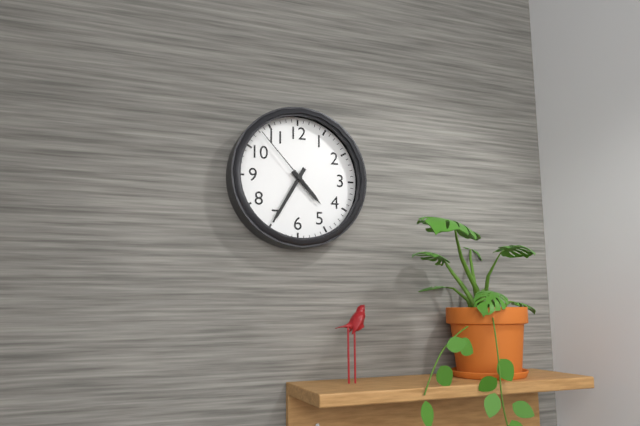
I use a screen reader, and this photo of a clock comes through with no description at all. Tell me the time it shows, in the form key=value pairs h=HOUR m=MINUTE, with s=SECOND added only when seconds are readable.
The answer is h=4 m=35 s=53
